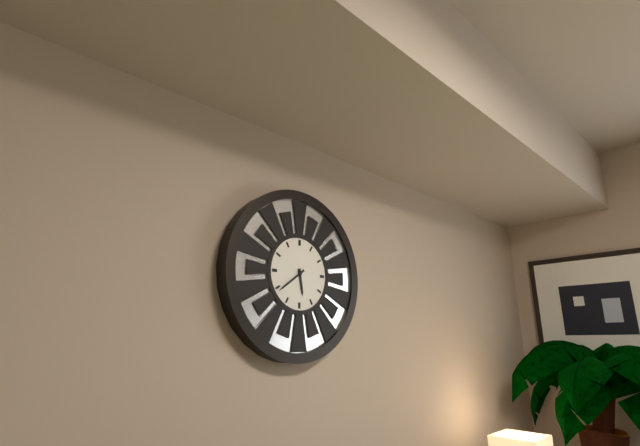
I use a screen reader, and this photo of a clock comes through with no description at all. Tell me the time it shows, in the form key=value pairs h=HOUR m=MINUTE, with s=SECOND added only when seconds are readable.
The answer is h=5 m=39
